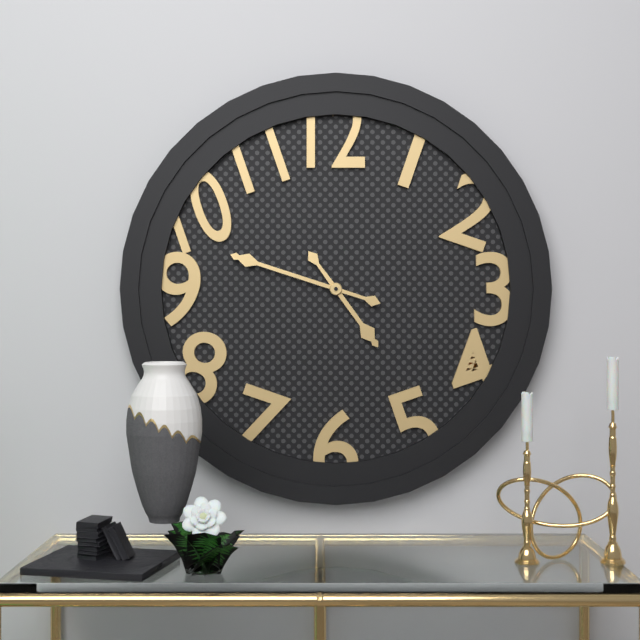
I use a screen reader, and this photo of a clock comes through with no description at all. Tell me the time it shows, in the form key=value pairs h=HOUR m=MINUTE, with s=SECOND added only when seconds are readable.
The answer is h=4 m=48
